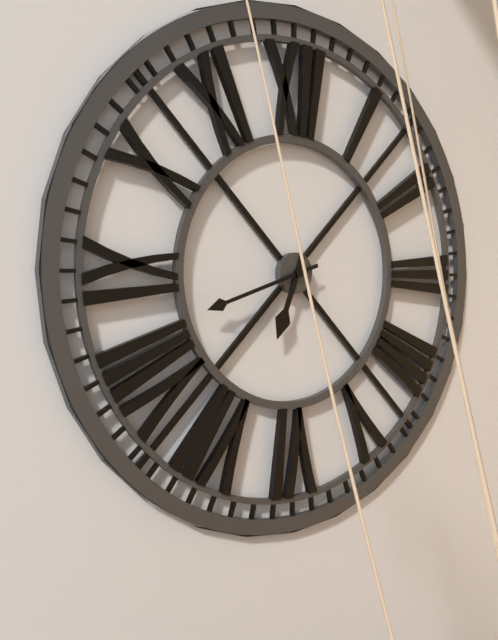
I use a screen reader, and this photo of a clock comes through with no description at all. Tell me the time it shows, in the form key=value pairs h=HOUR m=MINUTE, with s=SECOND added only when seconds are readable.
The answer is h=6 m=42
